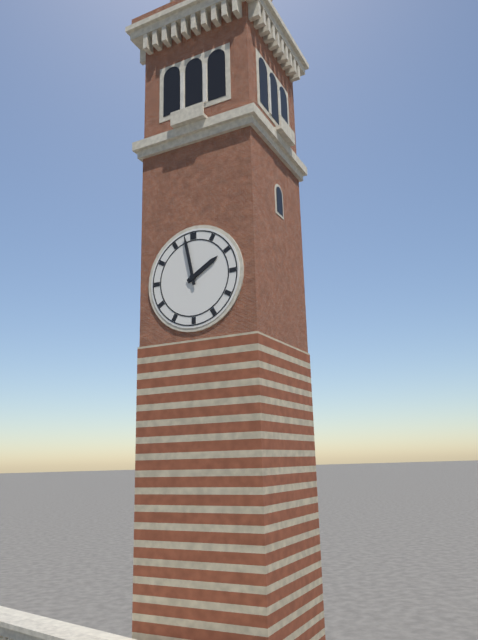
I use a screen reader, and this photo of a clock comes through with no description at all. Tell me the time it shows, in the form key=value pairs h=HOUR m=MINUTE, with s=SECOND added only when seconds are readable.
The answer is h=1 m=58
